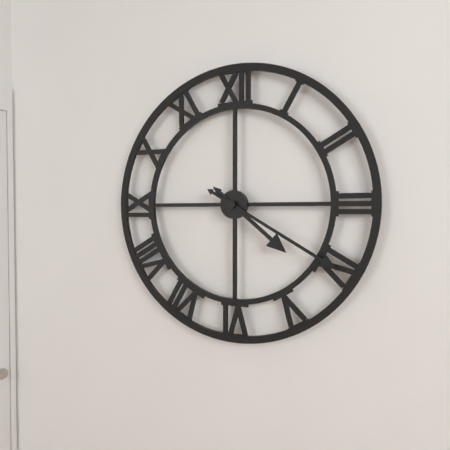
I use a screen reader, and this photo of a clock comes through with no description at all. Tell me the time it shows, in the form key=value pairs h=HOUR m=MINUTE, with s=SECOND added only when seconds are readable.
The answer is h=4 m=20
